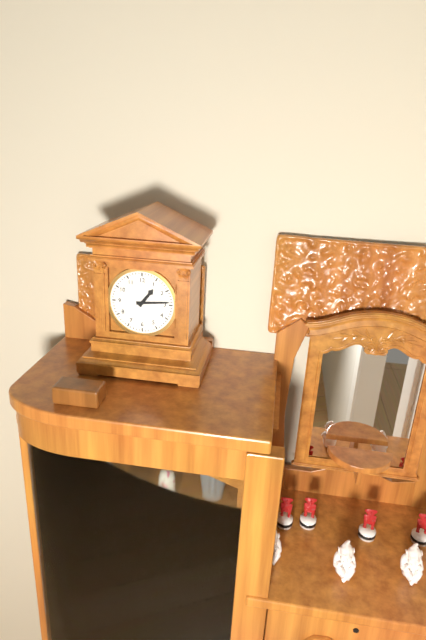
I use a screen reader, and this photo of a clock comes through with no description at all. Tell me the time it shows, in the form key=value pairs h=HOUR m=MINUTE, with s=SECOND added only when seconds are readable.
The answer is h=1 m=14
